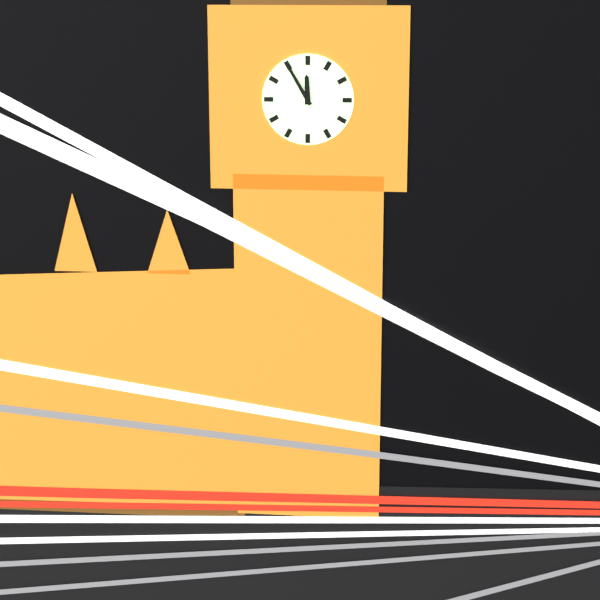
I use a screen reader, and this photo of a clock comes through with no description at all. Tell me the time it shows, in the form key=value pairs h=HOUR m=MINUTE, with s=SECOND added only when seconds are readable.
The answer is h=11 m=55
